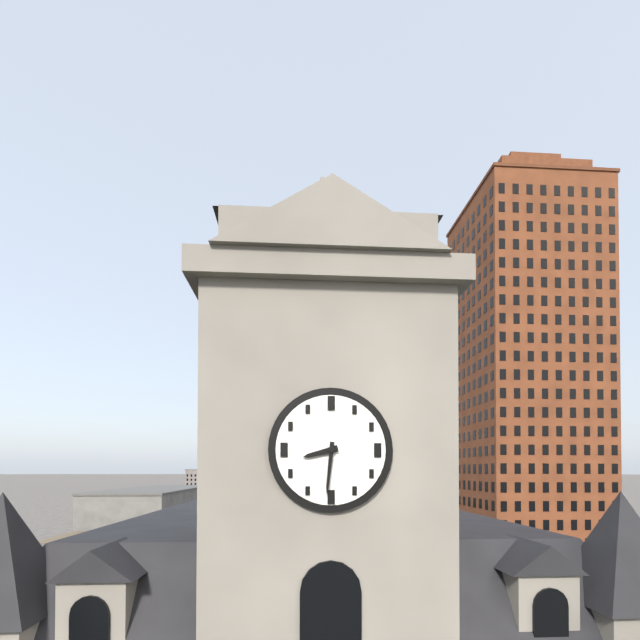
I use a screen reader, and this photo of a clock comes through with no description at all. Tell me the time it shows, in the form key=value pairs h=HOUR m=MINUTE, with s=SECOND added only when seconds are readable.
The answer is h=8 m=31
